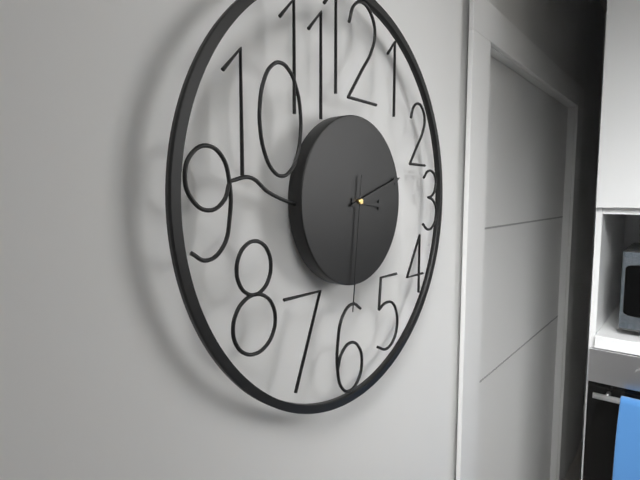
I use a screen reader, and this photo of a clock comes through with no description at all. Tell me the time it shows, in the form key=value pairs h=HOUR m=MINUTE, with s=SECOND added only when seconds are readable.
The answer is h=3 m=12 s=31
